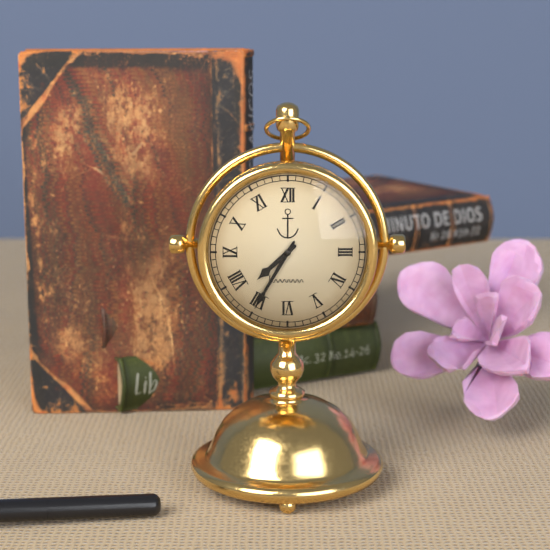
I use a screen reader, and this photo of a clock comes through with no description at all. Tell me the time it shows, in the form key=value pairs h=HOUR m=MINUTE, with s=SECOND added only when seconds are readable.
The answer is h=7 m=35
